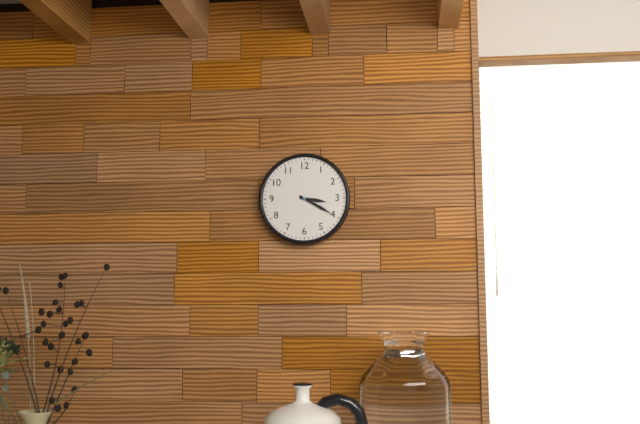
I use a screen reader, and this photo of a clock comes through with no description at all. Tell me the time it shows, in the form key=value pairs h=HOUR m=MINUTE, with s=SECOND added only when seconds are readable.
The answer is h=3 m=20
